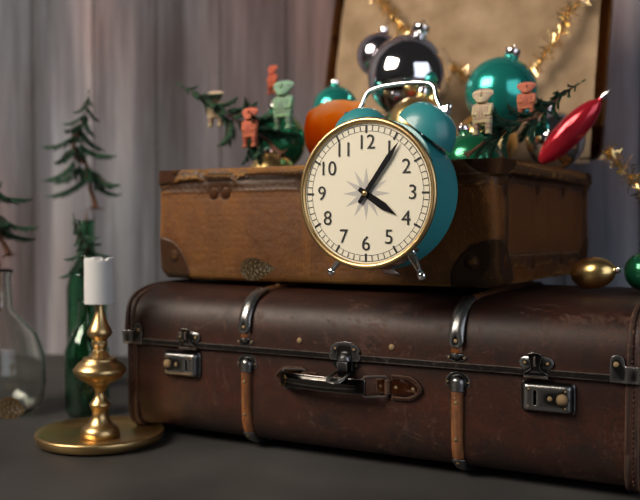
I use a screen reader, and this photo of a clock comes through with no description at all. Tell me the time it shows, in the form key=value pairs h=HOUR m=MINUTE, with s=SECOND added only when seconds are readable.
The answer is h=4 m=6
